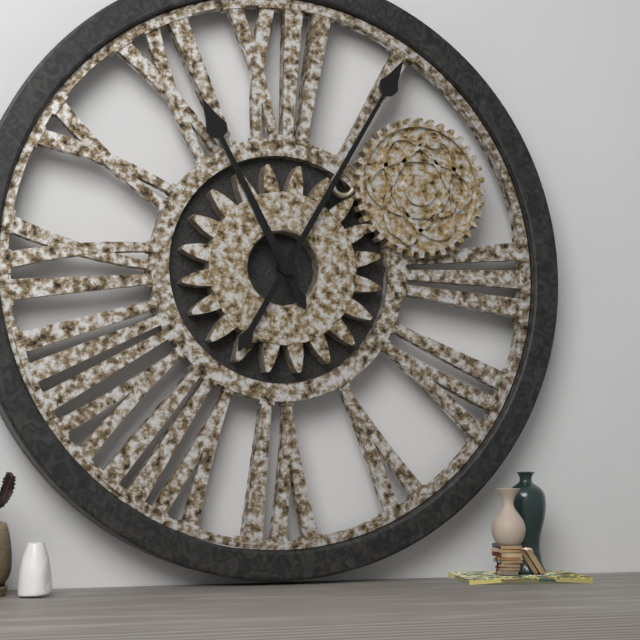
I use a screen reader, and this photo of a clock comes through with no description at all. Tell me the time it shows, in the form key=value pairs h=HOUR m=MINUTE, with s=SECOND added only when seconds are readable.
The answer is h=11 m=5
